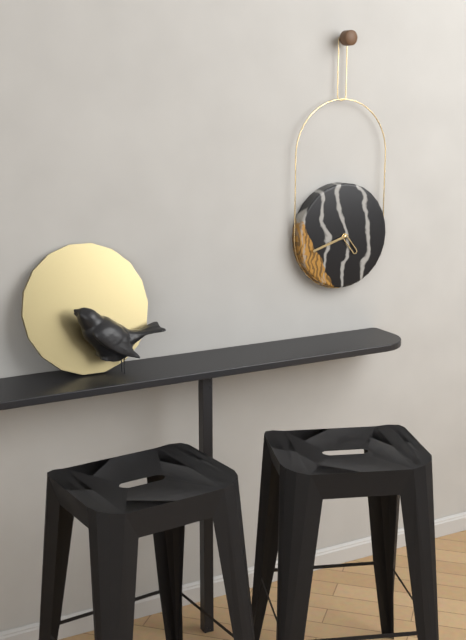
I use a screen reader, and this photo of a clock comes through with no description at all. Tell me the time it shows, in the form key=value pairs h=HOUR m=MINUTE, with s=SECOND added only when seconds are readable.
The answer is h=4 m=42
